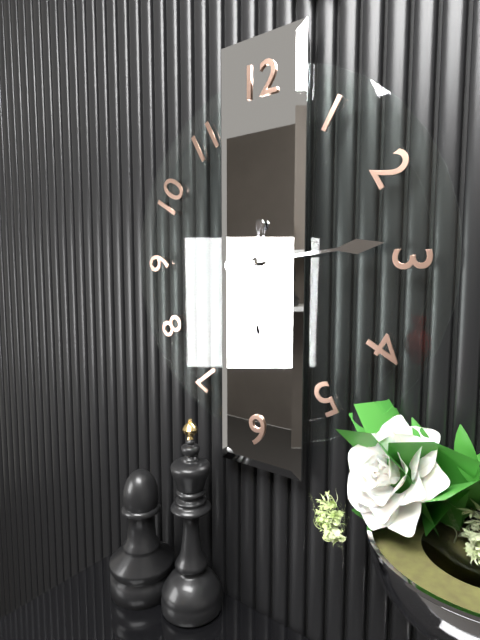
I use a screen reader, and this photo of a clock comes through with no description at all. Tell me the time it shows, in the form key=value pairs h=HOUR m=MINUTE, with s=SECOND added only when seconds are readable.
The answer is h=6 m=14
